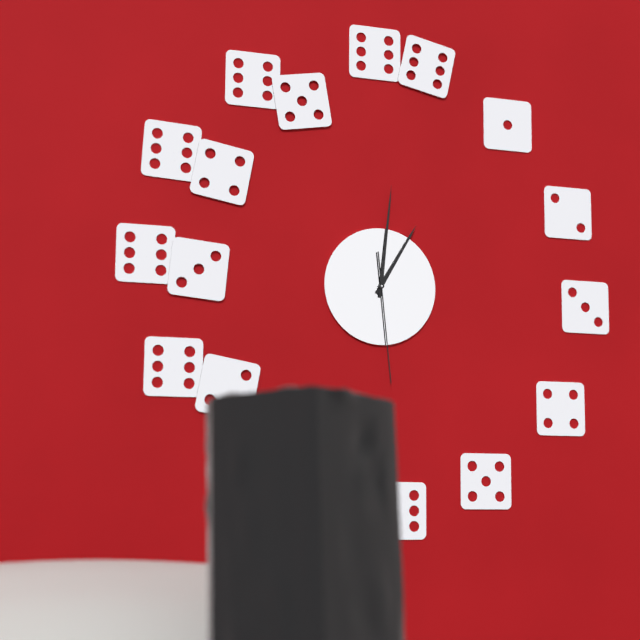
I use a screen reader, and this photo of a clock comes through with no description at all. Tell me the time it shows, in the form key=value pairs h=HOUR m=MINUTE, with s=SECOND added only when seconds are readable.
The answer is h=1 m=1 s=29
